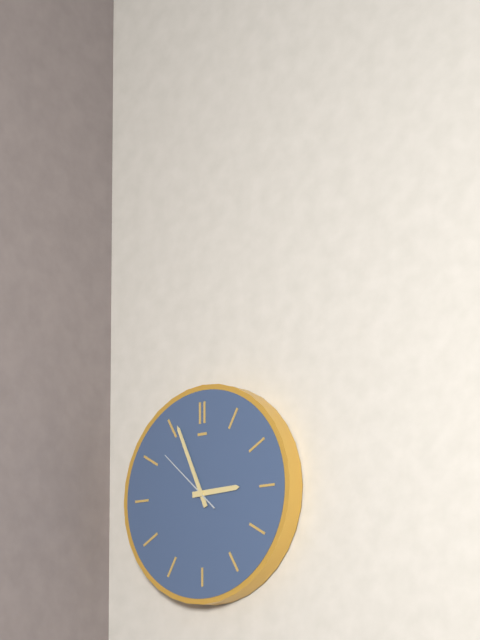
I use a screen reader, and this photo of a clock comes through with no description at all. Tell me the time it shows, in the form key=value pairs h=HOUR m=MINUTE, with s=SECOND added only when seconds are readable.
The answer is h=2 m=56 s=52
